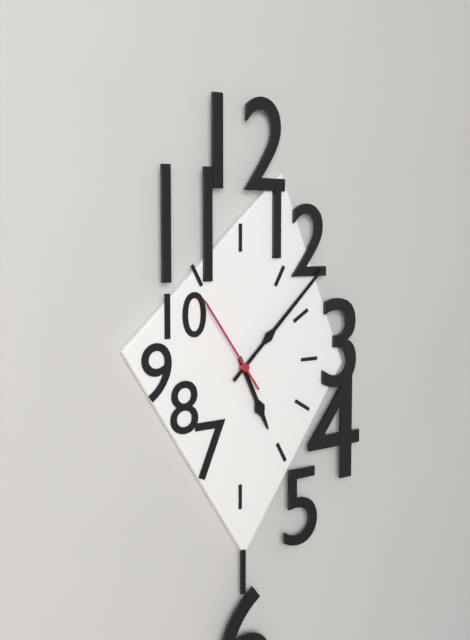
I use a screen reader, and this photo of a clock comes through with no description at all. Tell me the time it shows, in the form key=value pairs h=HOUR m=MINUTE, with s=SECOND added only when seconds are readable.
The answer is h=5 m=8 s=54
